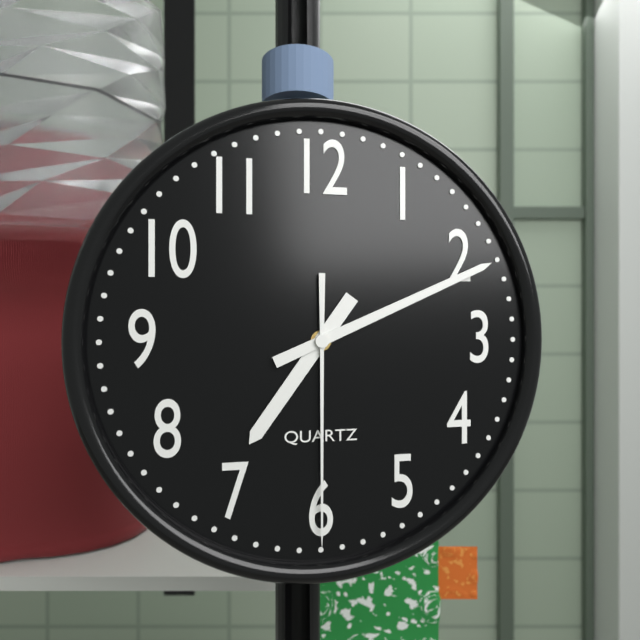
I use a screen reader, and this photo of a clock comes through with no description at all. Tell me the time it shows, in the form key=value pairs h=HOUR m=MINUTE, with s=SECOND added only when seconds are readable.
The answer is h=7 m=11 s=30
